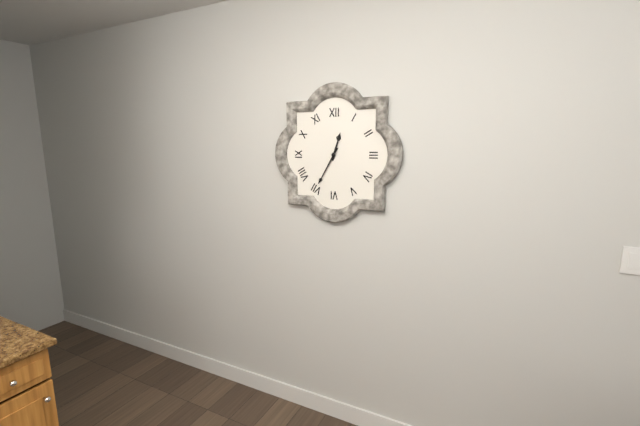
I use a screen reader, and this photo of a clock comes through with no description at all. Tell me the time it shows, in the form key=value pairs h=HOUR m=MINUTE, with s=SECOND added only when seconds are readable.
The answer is h=12 m=35
